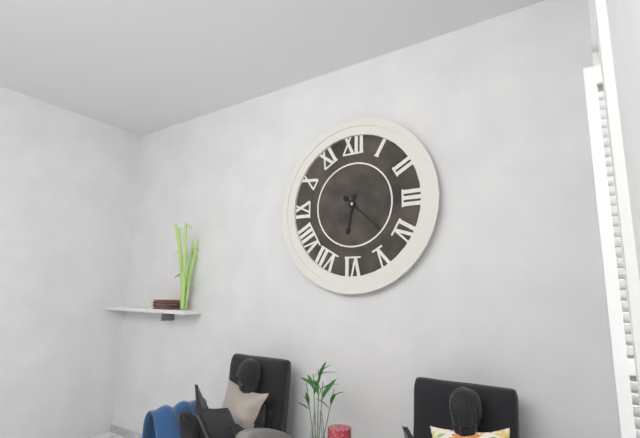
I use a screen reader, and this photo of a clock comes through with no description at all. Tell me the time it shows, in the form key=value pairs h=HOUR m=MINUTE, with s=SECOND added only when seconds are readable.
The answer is h=6 m=22
